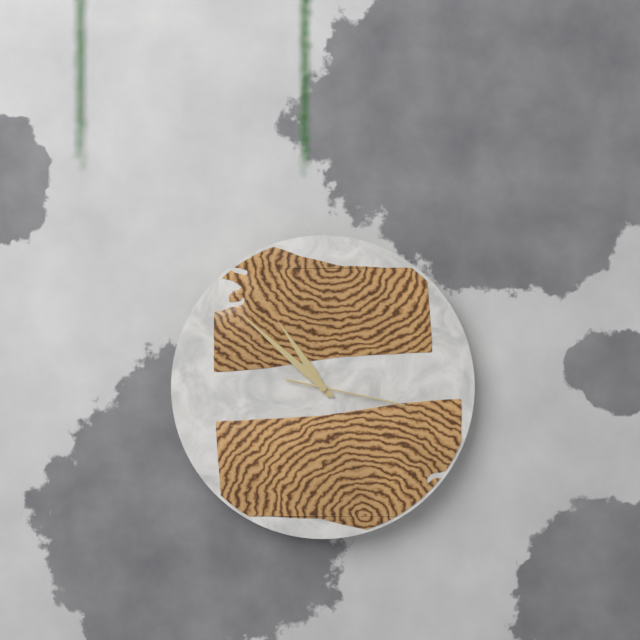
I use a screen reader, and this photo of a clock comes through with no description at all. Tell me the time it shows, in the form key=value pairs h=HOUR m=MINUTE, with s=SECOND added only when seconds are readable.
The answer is h=10 m=52 s=17
